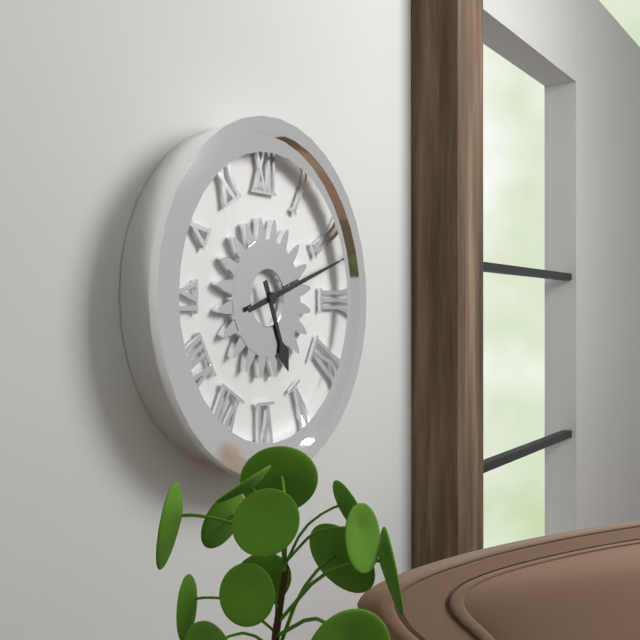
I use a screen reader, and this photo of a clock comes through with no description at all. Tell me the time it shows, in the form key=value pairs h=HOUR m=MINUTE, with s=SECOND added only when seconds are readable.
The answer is h=5 m=12
